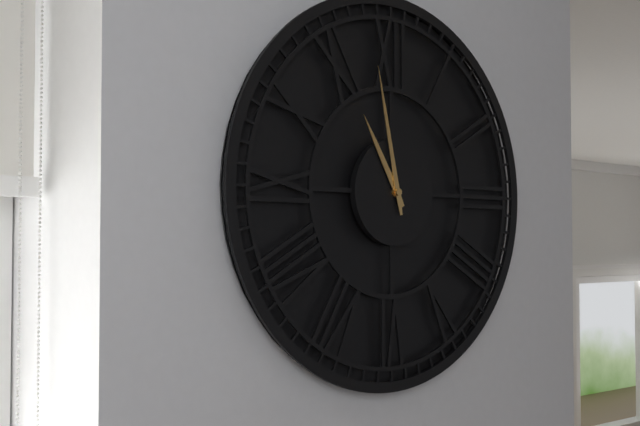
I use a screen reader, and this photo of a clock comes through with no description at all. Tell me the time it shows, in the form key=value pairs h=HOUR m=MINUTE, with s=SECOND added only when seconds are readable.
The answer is h=10 m=58
